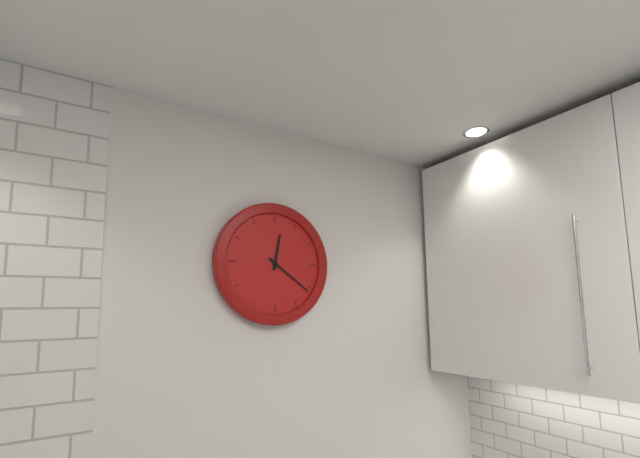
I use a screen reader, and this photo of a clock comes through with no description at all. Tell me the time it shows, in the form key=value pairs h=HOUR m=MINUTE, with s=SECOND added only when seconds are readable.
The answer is h=12 m=21
